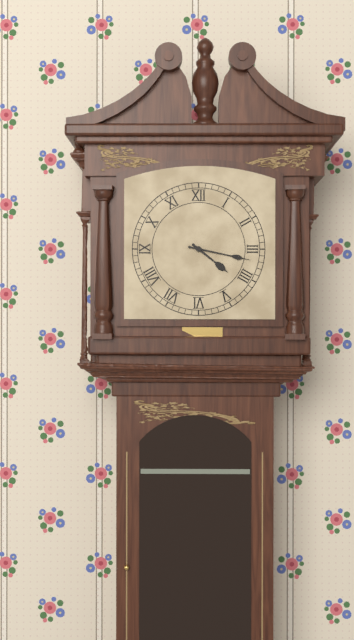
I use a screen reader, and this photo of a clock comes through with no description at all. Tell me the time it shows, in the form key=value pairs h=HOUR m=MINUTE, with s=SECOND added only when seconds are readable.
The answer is h=4 m=17
